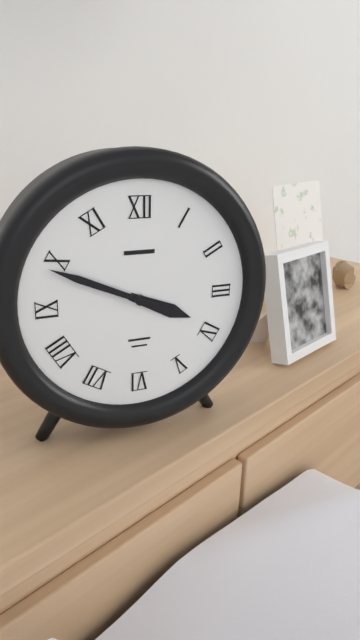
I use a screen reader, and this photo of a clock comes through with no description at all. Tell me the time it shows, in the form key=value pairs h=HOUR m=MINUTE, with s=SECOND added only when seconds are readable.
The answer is h=3 m=49
